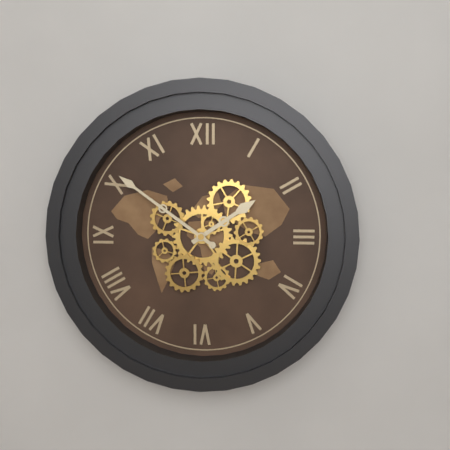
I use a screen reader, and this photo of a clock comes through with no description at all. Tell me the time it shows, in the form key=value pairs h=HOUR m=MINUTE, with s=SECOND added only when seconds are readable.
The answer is h=1 m=51
